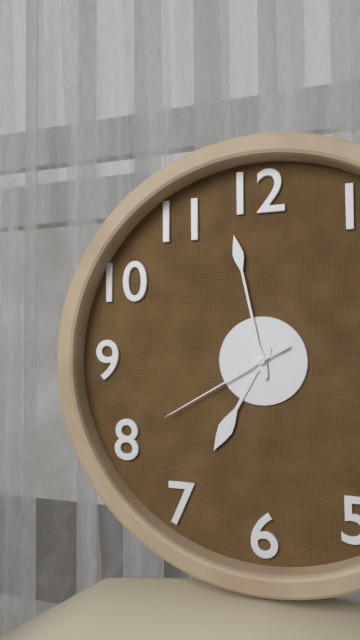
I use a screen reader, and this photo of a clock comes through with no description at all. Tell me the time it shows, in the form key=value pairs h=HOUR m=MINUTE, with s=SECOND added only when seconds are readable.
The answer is h=6 m=58 s=40
